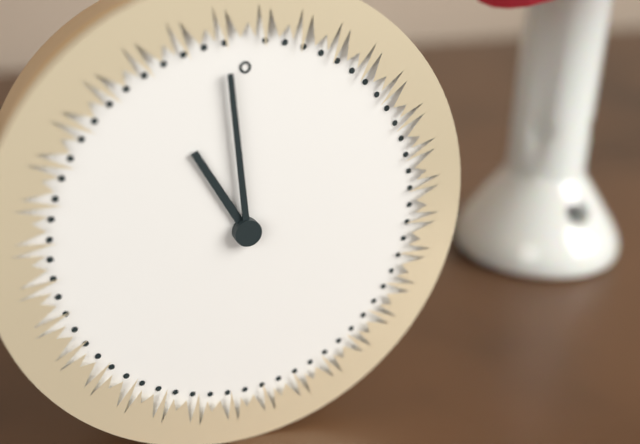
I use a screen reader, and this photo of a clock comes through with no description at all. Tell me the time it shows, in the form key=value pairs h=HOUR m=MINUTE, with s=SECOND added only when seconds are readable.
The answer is h=10 m=59
